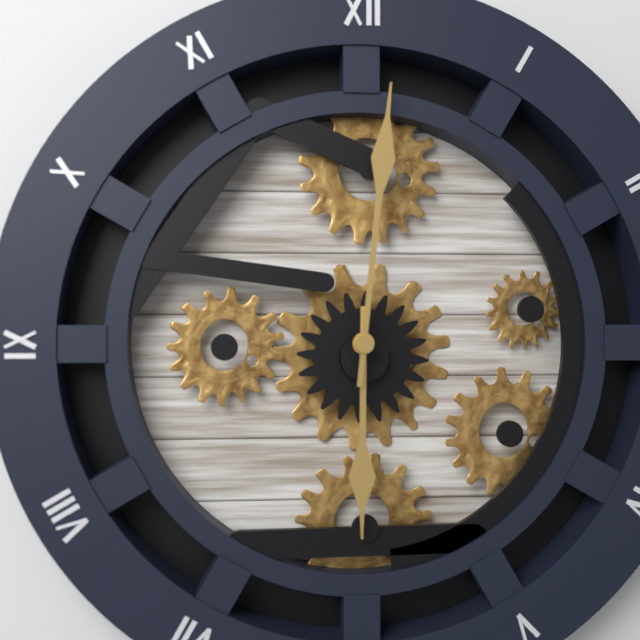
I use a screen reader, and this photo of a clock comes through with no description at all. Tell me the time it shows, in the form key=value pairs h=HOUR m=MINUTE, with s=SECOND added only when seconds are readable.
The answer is h=6 m=1
